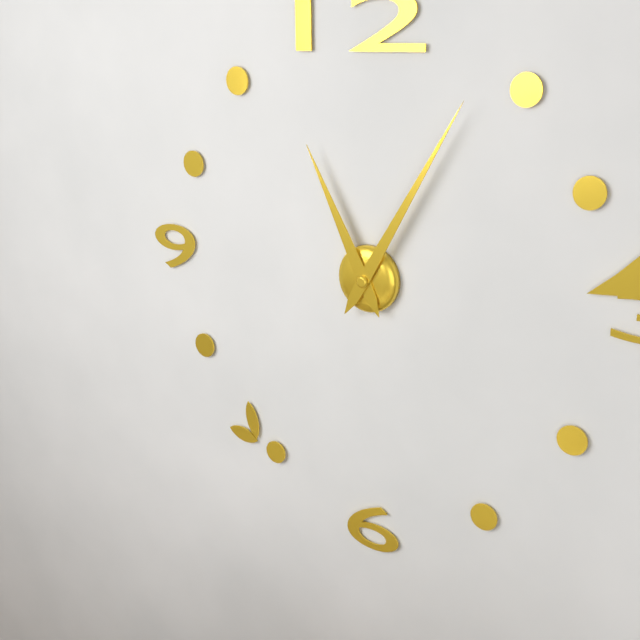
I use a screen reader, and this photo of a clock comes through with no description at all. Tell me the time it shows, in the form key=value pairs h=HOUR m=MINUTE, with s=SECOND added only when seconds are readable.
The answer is h=11 m=5
